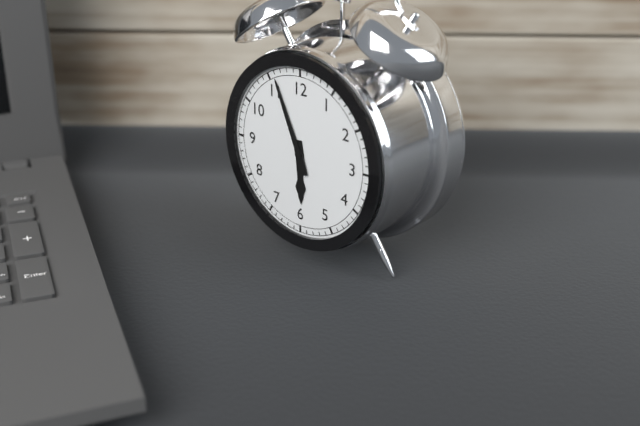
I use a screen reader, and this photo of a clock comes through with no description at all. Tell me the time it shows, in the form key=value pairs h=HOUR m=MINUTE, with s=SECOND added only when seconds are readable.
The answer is h=5 m=56
